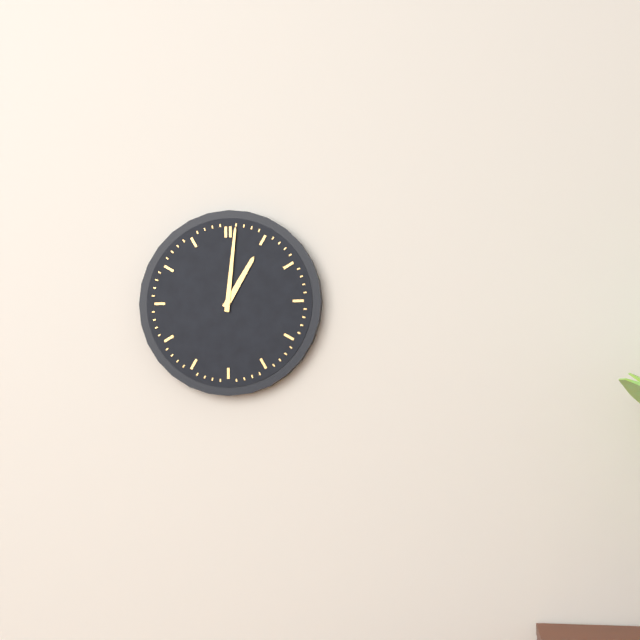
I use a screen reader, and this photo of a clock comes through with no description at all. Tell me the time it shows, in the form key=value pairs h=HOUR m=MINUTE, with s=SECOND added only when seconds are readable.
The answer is h=1 m=1
